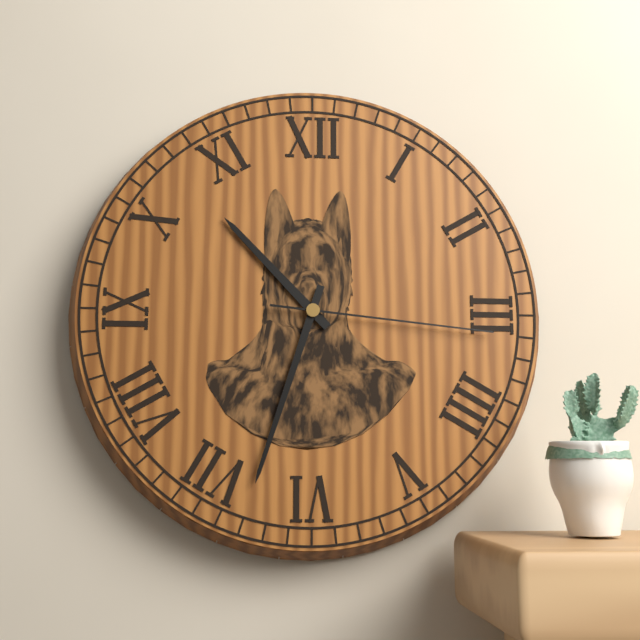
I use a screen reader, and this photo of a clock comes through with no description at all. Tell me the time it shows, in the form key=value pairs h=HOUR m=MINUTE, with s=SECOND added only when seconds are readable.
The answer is h=10 m=33 s=16
